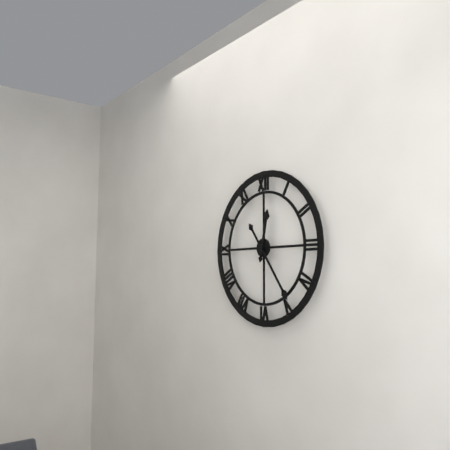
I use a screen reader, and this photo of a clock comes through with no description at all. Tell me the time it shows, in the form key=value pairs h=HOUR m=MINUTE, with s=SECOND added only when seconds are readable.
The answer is h=12 m=24
